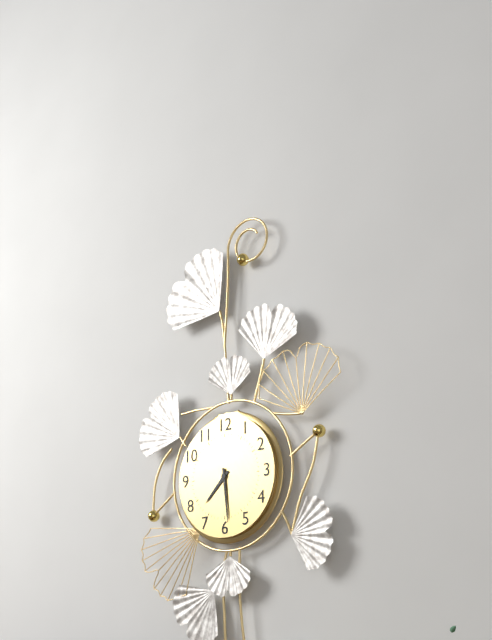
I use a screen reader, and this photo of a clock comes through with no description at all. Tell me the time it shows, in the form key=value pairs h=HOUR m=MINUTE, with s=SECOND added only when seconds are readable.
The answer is h=7 m=29
